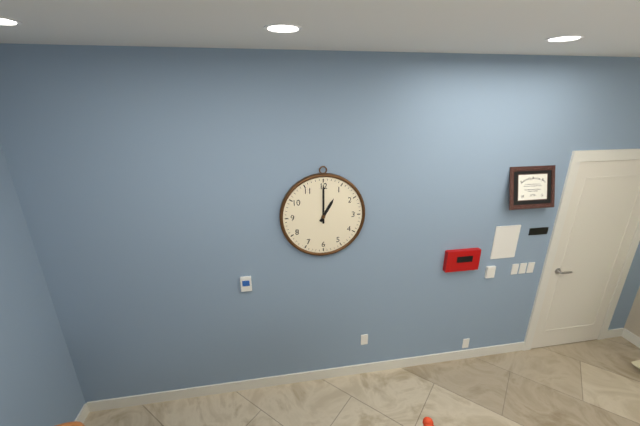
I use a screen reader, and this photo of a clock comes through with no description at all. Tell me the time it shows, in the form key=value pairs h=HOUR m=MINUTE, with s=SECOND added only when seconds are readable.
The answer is h=1 m=0
